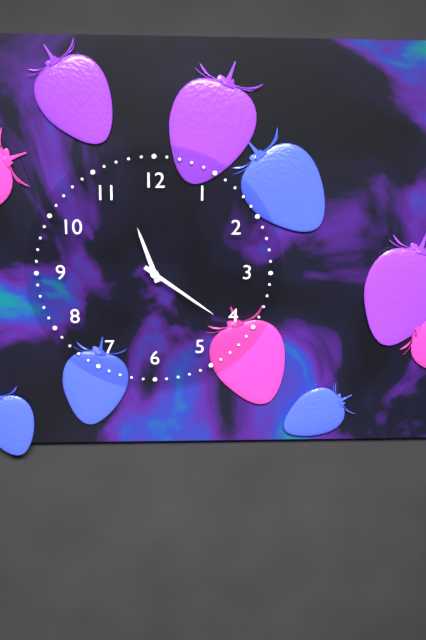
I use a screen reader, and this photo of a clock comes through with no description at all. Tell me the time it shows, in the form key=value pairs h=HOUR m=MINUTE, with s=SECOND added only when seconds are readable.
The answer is h=11 m=21
